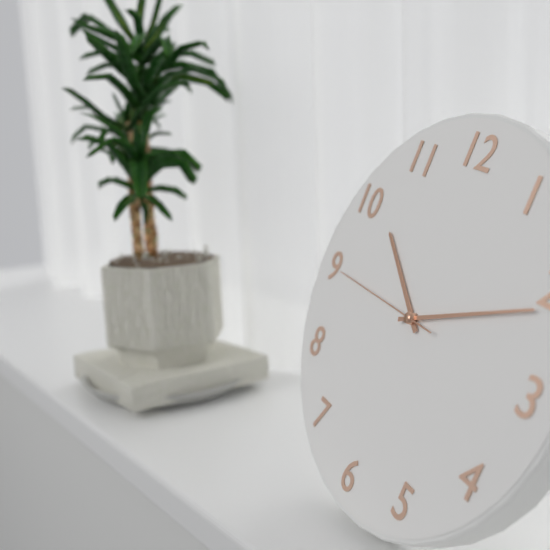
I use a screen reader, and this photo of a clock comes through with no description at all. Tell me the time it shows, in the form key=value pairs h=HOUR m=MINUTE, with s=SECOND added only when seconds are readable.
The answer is h=10 m=11 s=45
